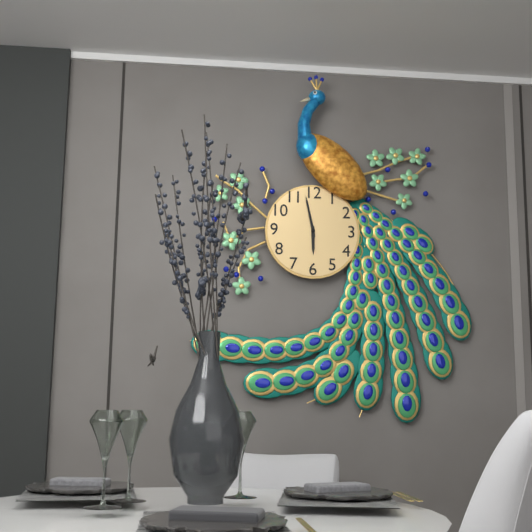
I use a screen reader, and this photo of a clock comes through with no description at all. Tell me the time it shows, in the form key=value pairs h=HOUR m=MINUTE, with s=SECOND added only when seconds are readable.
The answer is h=5 m=58
